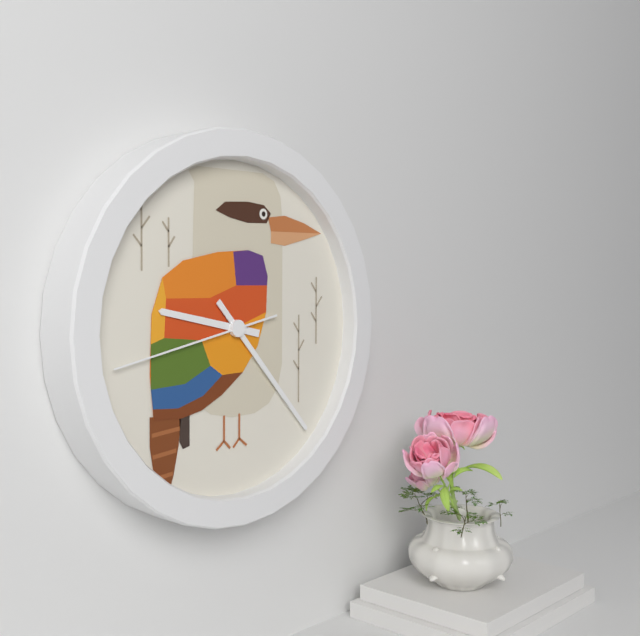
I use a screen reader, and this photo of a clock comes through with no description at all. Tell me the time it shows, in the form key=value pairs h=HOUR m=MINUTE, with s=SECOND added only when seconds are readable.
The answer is h=9 m=23 s=43
